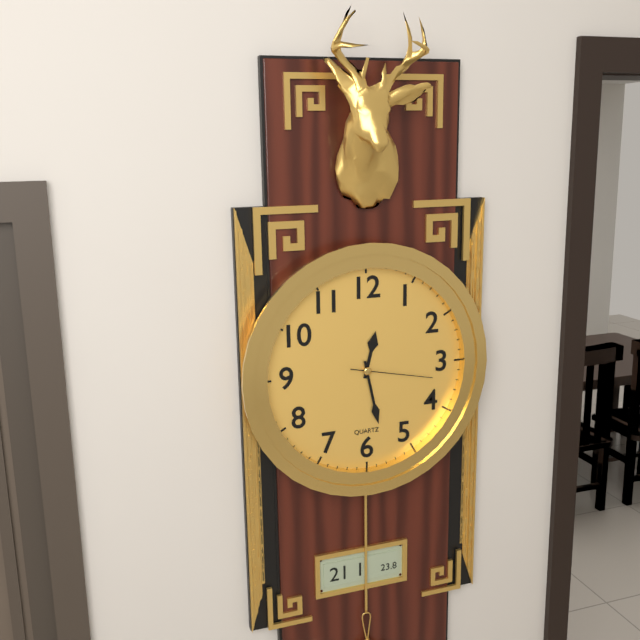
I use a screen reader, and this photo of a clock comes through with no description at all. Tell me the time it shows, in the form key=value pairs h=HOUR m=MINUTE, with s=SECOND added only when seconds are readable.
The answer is h=12 m=28 s=17
